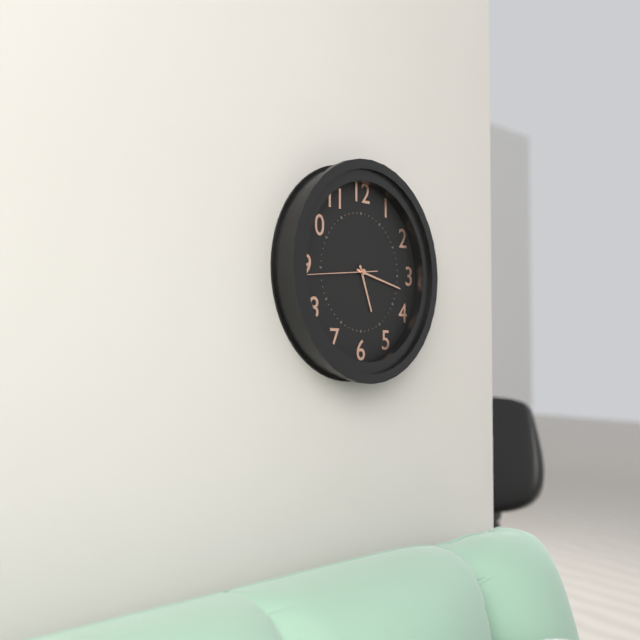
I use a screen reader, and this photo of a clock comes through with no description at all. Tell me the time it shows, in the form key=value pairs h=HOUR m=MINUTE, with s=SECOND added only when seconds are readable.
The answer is h=5 m=17 s=44
